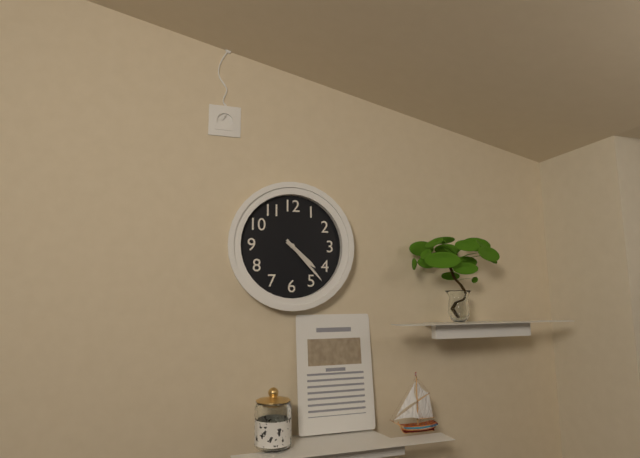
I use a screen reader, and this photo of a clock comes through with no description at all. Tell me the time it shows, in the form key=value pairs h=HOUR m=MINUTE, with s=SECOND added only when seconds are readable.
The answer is h=4 m=23
